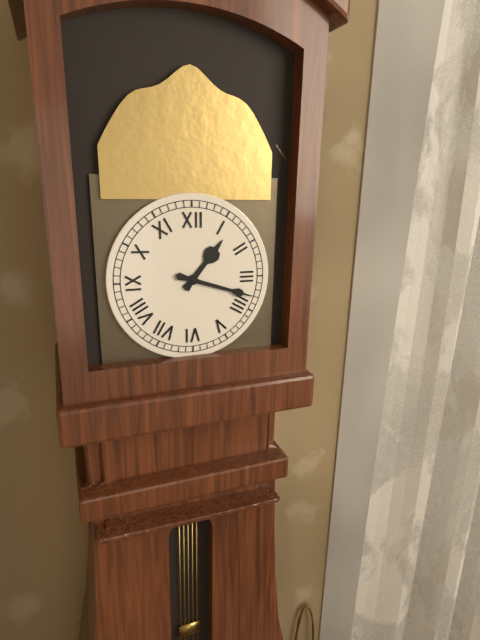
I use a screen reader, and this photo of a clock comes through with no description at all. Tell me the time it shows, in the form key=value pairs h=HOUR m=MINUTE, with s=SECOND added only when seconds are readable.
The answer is h=1 m=18
